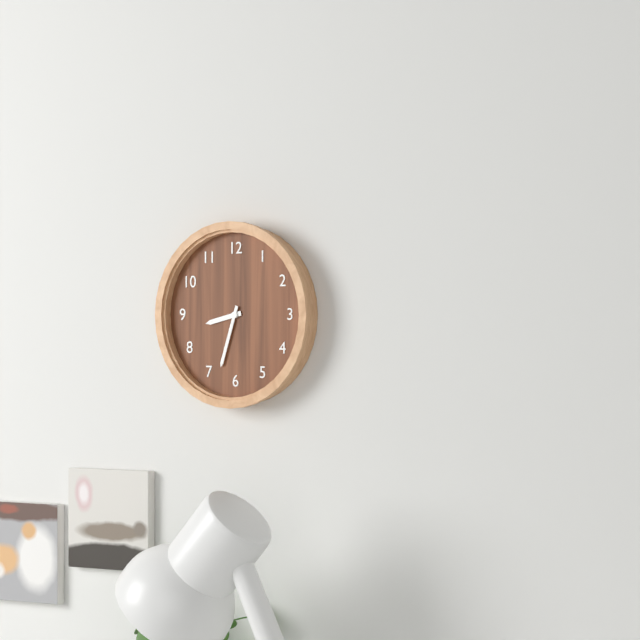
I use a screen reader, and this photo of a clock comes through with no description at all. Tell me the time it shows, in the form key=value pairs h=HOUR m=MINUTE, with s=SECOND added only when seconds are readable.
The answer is h=8 m=33
